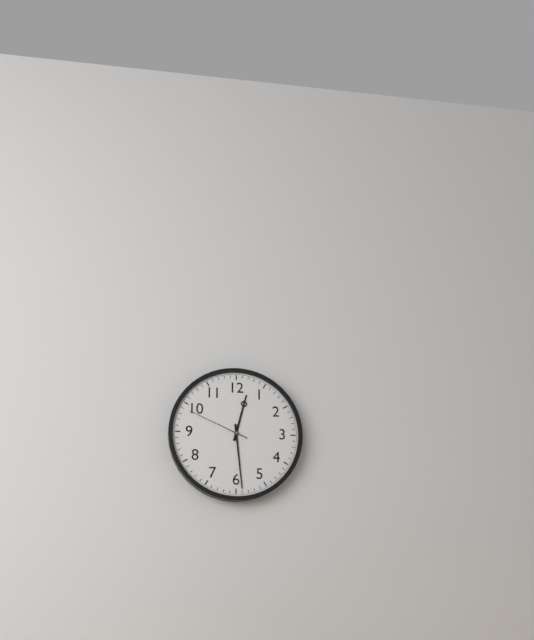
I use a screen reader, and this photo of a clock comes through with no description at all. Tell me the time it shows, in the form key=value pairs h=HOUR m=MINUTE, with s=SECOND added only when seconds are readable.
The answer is h=12 m=29 s=49
